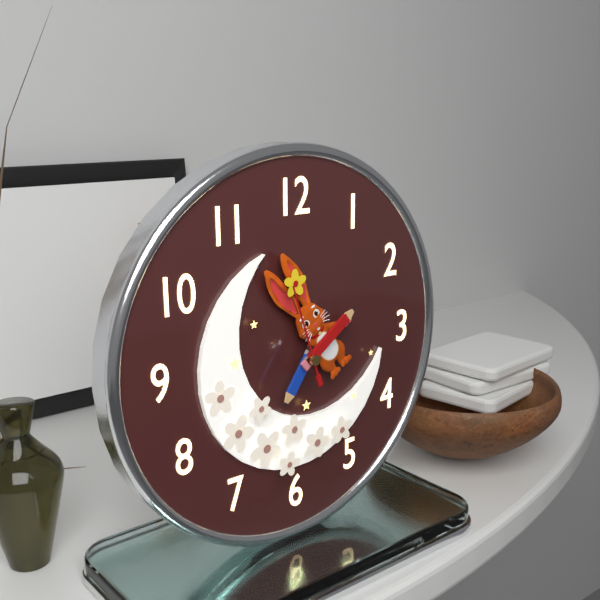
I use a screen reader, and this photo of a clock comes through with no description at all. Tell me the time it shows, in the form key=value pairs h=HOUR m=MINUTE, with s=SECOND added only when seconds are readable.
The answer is h=7 m=9 s=57
